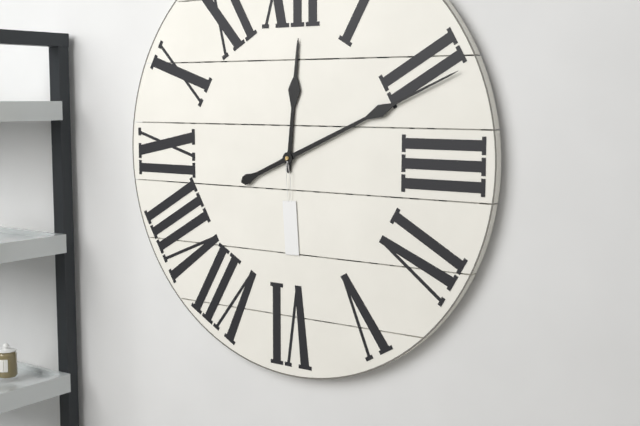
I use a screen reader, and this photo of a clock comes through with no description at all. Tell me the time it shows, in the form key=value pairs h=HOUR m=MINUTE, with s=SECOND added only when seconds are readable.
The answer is h=12 m=11
